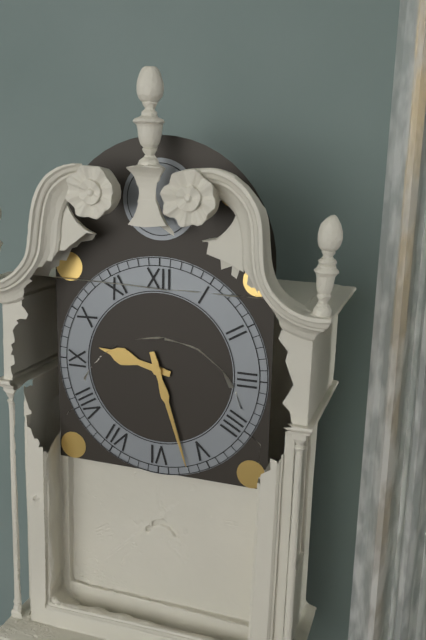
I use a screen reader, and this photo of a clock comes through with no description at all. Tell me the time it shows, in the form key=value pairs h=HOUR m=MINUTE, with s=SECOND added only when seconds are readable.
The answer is h=9 m=27
